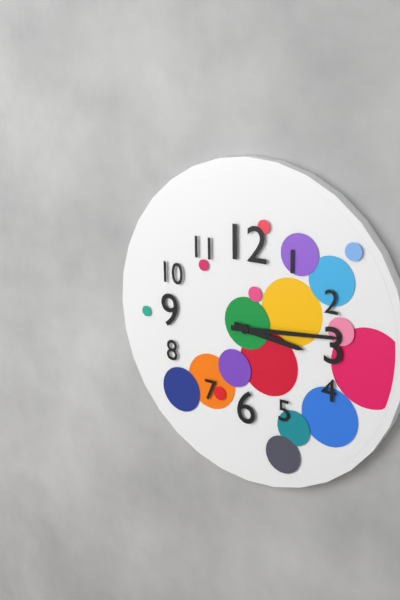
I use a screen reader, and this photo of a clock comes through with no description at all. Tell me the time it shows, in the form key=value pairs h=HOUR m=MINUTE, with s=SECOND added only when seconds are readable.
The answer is h=3 m=14
